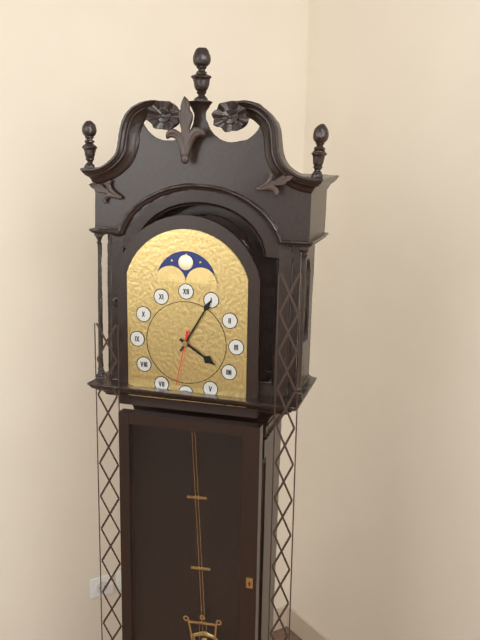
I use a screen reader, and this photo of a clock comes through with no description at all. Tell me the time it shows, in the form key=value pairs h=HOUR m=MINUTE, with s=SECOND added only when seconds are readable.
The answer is h=4 m=5 s=32
